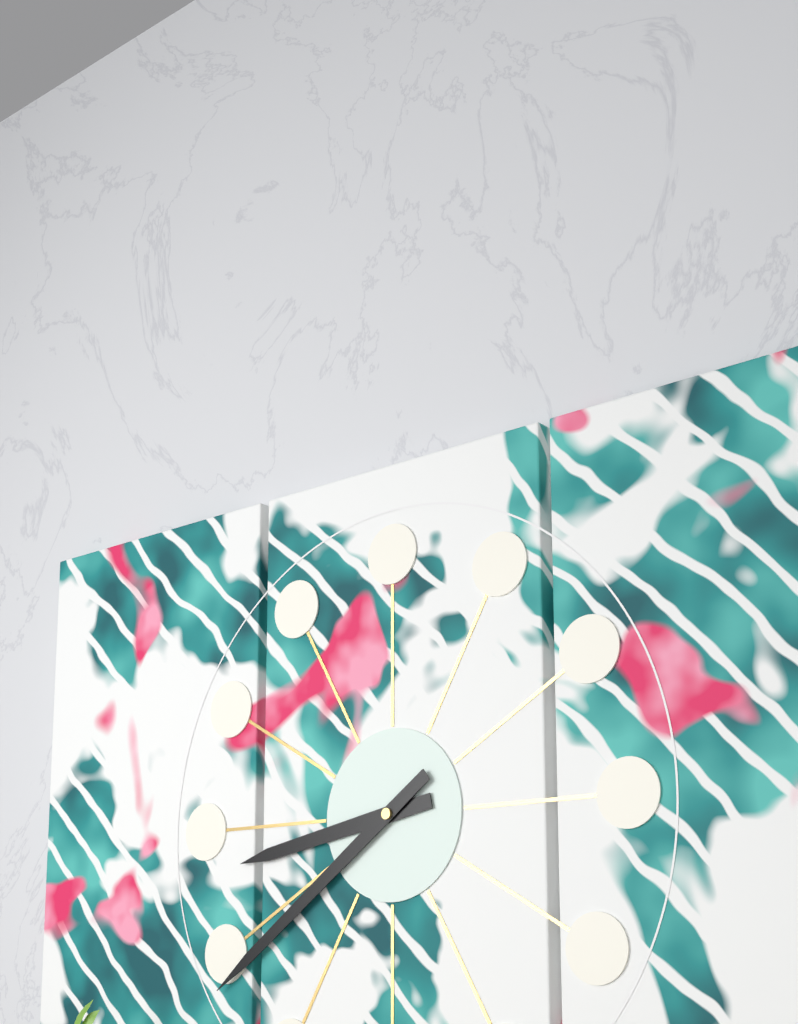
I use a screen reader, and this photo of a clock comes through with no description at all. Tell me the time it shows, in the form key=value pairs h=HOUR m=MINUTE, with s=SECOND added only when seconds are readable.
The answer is h=8 m=39
